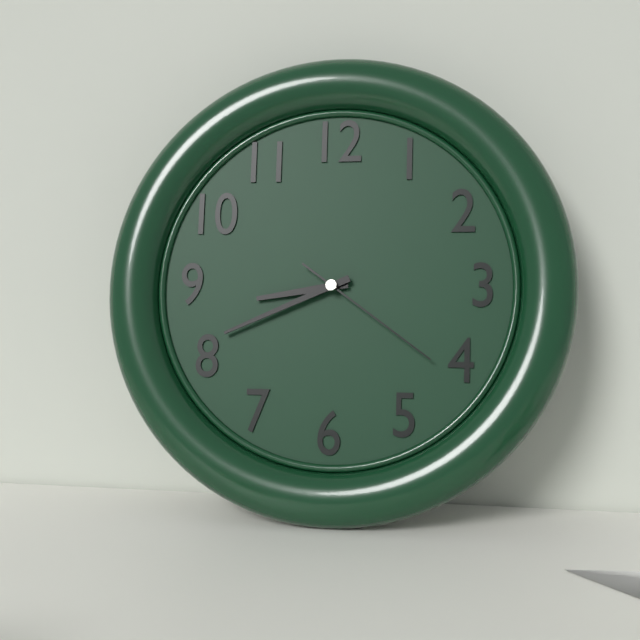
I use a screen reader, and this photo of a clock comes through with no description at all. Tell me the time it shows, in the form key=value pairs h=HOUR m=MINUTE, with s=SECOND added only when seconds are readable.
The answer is h=8 m=41 s=21
